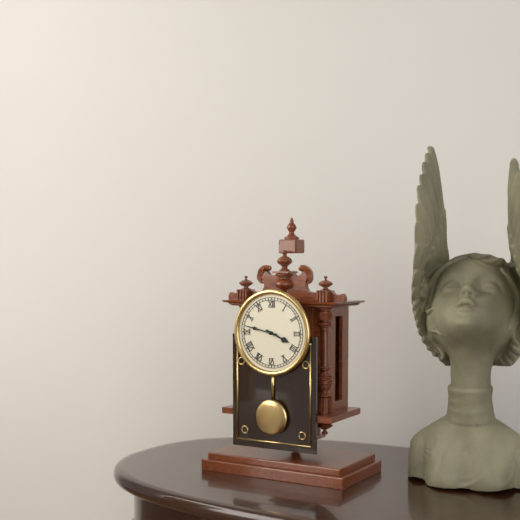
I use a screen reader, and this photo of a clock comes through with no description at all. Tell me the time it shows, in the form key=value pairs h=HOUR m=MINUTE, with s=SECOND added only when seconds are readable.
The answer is h=3 m=47
